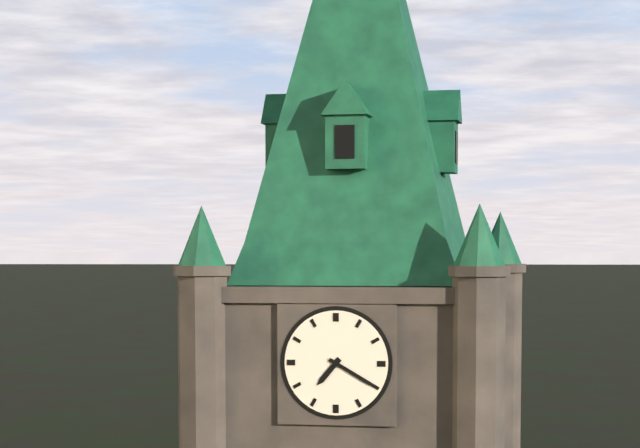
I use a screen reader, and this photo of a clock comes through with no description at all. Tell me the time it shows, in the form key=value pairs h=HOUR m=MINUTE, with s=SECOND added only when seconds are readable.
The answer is h=7 m=20
